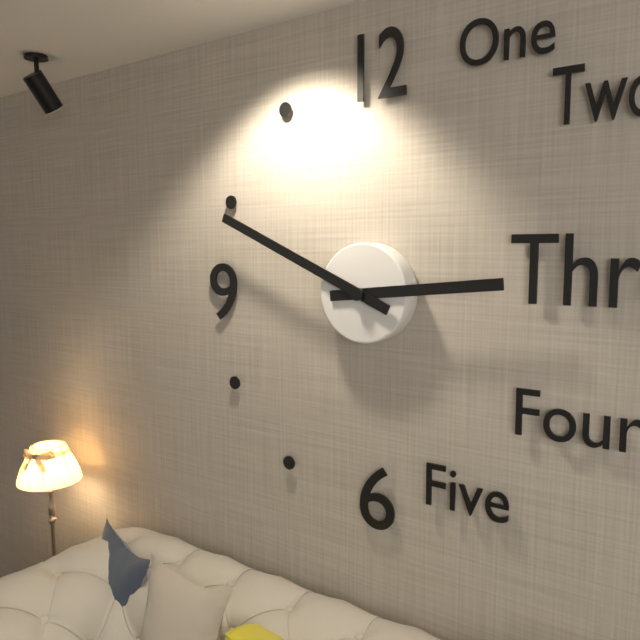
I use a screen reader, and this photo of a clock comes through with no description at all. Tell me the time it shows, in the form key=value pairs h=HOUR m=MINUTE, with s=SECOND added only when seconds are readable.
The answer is h=2 m=49
